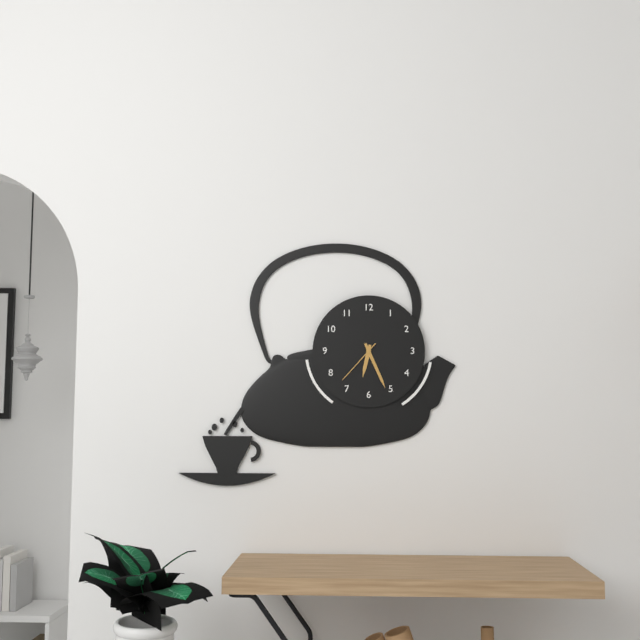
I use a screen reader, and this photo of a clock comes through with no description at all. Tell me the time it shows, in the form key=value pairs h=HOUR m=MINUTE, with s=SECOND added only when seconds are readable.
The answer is h=6 m=26 s=37
